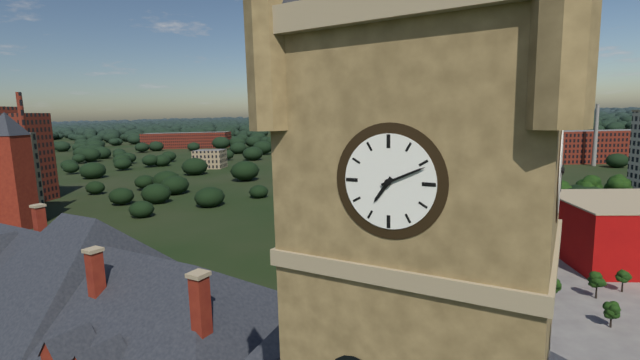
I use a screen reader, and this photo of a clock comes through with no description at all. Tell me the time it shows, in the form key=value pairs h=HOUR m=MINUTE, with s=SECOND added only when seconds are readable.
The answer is h=7 m=11
